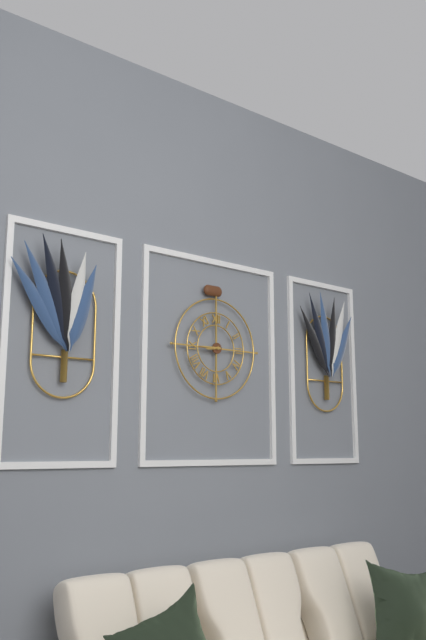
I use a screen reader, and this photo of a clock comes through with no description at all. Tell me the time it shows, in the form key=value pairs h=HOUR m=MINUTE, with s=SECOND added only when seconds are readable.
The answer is h=8 m=45
